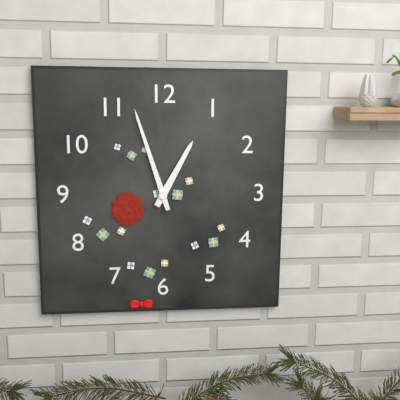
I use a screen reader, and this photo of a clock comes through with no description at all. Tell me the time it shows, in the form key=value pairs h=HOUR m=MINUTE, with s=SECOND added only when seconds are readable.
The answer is h=12 m=57
